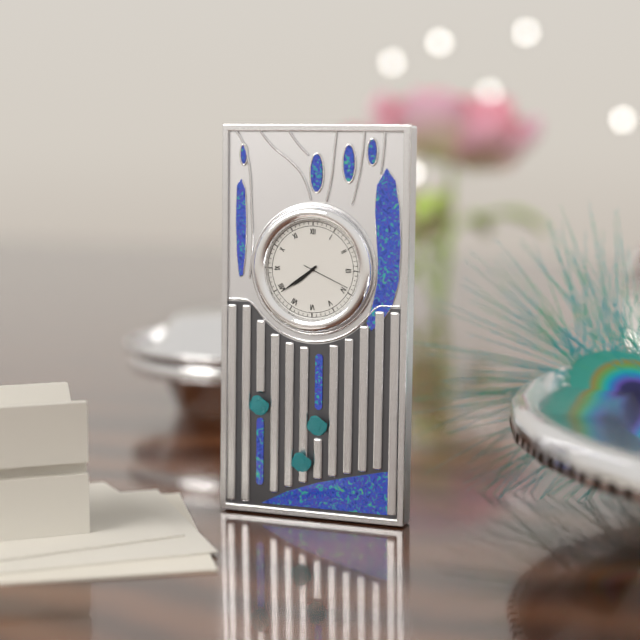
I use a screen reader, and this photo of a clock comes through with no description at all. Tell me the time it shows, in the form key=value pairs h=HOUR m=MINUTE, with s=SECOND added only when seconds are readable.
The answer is h=7 m=39
